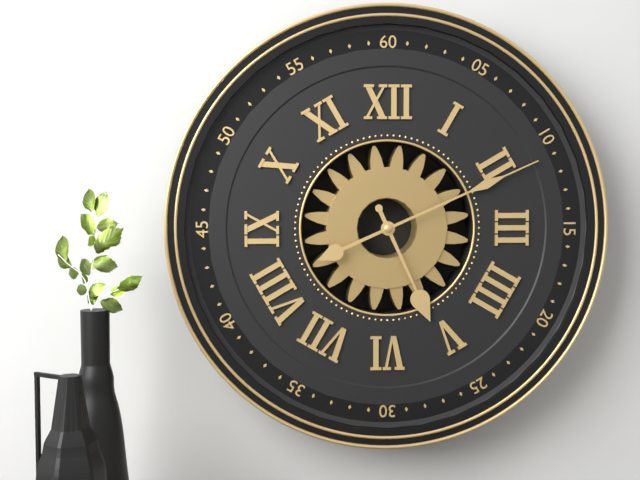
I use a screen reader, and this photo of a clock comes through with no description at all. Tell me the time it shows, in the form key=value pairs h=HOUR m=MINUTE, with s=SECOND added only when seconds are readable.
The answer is h=5 m=11
